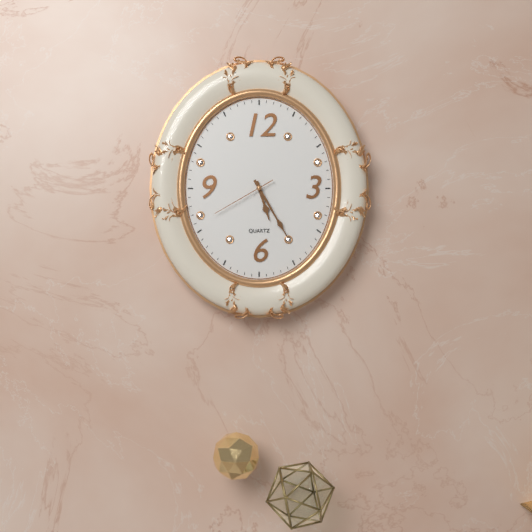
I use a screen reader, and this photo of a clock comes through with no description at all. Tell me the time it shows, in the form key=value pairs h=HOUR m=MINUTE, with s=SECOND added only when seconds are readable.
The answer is h=5 m=25 s=40
